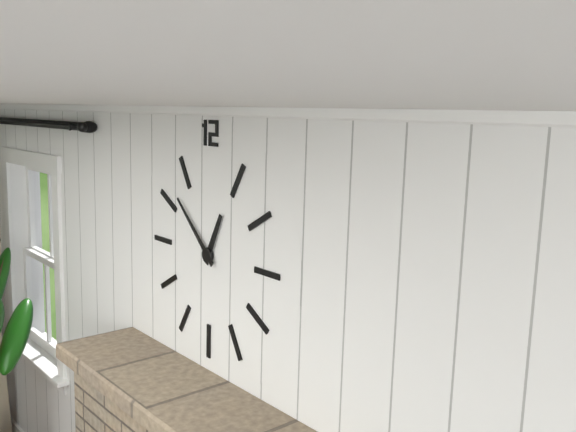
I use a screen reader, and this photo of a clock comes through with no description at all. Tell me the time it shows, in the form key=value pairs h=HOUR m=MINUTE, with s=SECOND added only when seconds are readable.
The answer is h=12 m=52
